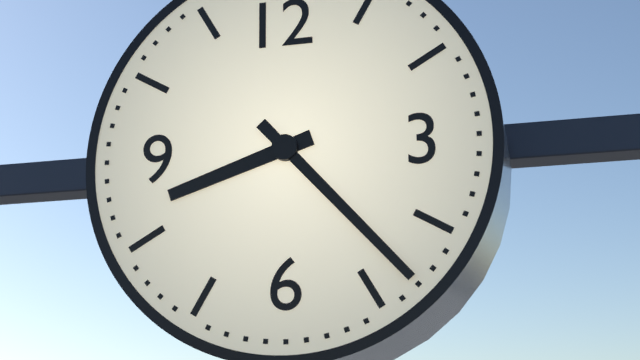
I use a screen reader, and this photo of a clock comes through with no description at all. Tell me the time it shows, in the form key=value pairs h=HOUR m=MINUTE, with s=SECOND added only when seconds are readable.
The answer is h=8 m=23
